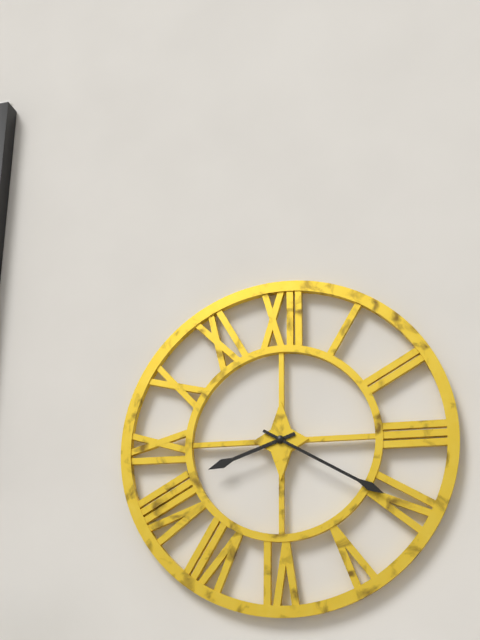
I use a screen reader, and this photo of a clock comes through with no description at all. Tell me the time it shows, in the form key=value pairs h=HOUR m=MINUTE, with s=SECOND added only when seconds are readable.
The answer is h=8 m=20
